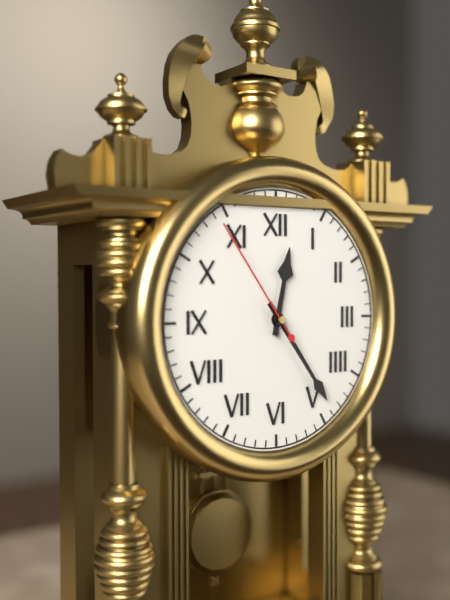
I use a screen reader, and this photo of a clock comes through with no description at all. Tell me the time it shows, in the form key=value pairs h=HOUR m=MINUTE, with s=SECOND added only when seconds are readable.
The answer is h=12 m=24 s=54
